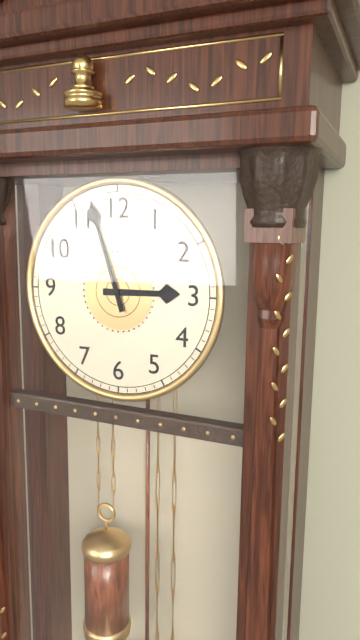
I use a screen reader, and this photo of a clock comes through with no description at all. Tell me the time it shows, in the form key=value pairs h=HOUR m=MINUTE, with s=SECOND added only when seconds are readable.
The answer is h=2 m=57
